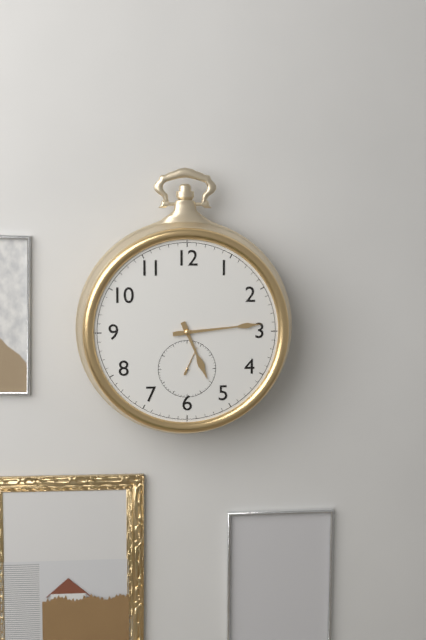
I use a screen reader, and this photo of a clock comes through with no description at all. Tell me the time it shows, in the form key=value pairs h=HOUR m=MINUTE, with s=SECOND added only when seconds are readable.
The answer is h=5 m=14
